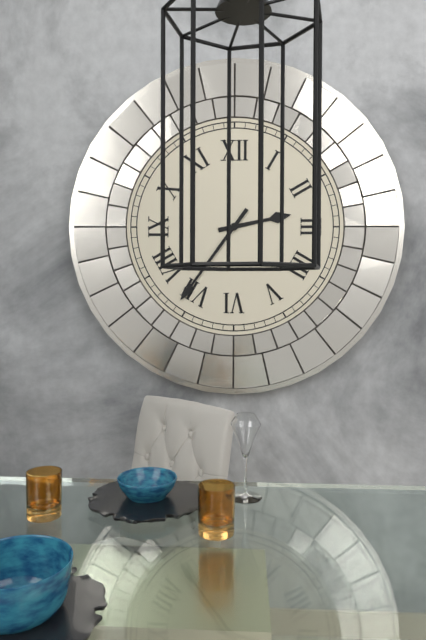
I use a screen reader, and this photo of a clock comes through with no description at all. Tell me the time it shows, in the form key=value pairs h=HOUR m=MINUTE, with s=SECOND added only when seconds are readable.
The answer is h=2 m=36
